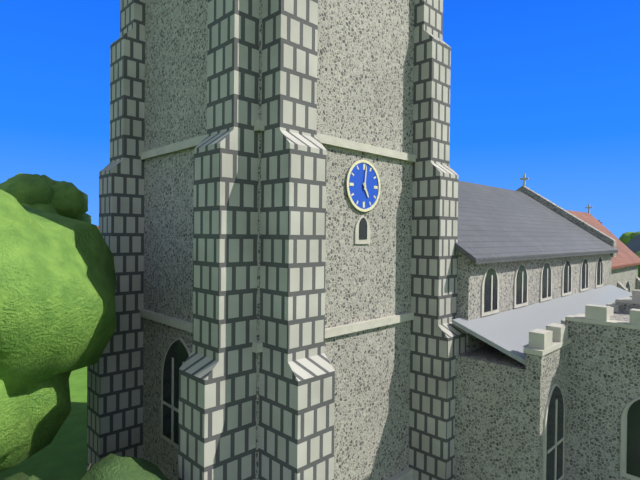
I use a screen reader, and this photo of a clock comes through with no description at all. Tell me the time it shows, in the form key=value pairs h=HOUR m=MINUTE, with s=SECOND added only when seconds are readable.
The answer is h=5 m=1
